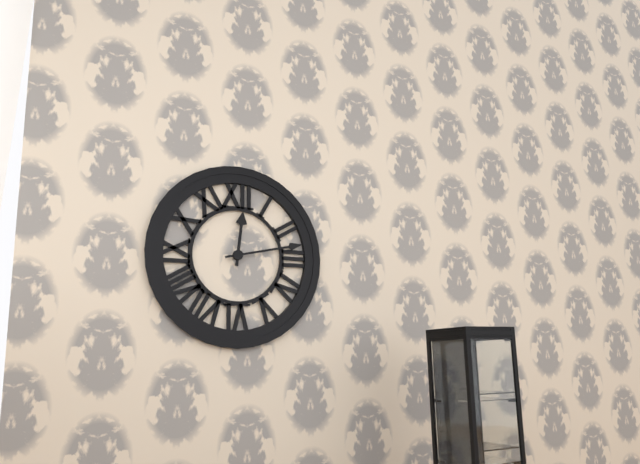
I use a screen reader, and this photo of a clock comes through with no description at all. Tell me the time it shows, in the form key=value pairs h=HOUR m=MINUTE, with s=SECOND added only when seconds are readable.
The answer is h=12 m=13
